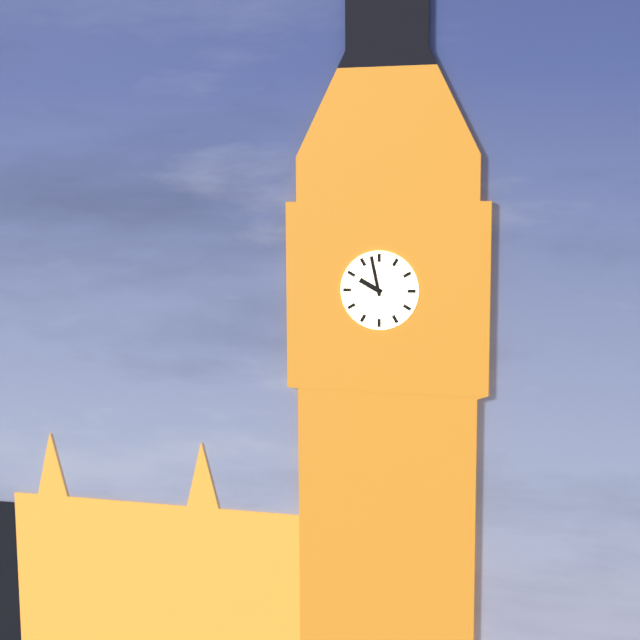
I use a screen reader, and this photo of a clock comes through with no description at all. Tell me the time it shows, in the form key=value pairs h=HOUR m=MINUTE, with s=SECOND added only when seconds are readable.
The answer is h=9 m=58
